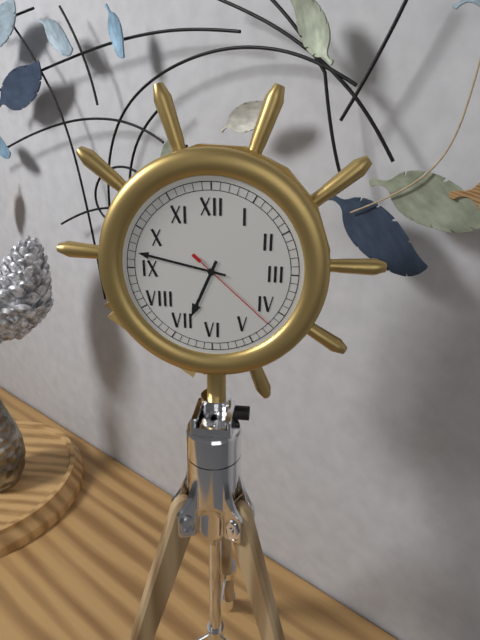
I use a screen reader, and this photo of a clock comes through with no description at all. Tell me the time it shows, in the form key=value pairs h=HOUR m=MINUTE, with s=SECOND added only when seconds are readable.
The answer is h=6 m=47 s=22
